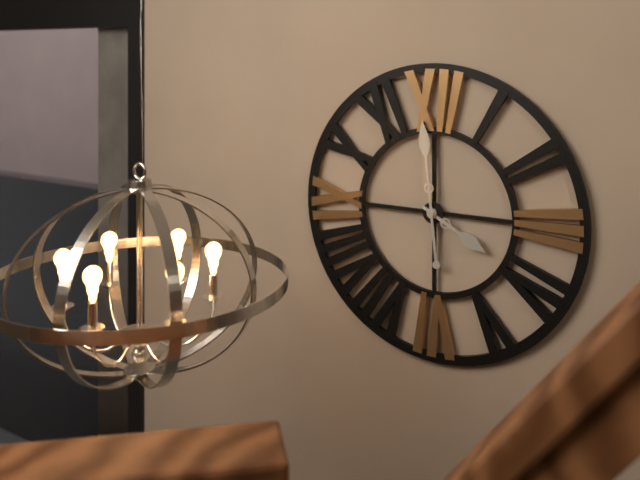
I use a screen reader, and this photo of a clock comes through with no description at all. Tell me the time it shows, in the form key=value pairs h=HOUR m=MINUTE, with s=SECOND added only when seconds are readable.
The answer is h=3 m=59
